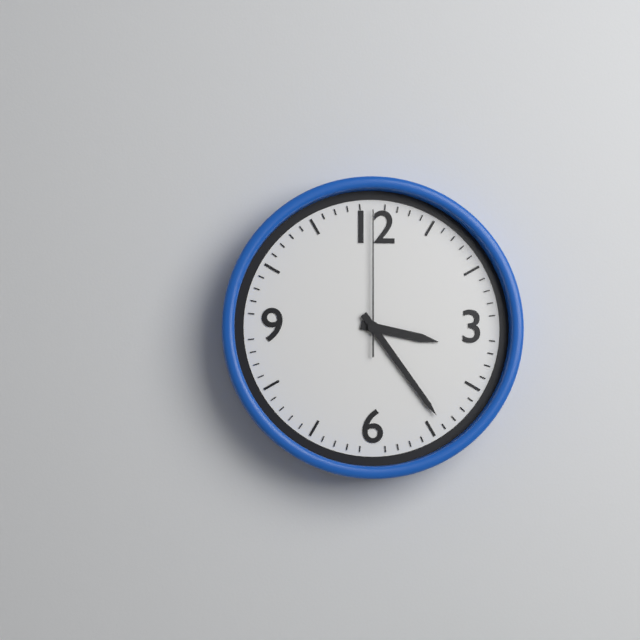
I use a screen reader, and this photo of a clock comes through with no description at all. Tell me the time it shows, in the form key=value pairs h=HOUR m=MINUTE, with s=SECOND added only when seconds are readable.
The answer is h=3 m=24 s=0
